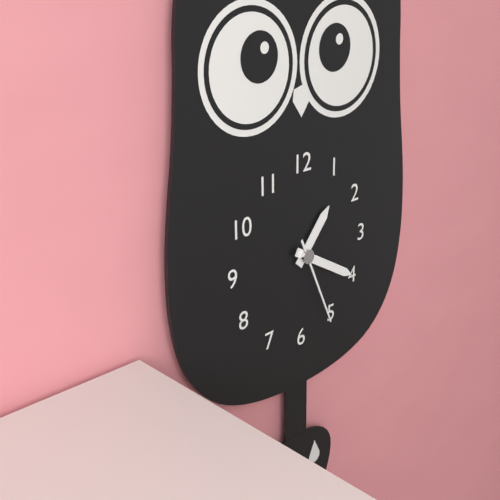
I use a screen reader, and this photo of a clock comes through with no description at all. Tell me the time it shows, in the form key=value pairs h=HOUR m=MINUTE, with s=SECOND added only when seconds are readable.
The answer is h=1 m=20 s=26
